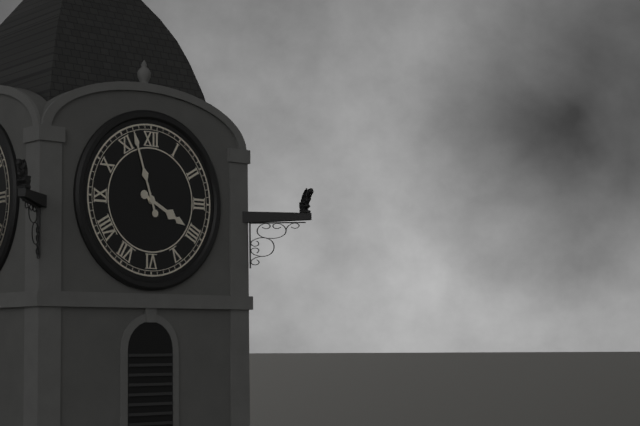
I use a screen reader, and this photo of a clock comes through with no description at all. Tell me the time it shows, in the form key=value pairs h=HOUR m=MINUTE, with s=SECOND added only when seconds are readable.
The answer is h=3 m=57
